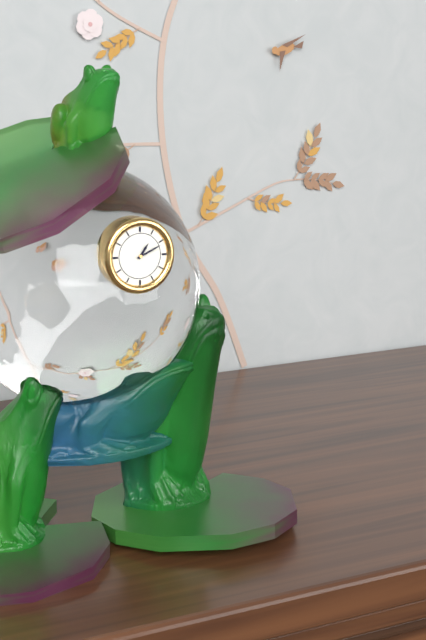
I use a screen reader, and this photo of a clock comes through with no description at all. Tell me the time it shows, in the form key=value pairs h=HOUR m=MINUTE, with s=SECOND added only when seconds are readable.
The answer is h=1 m=11
